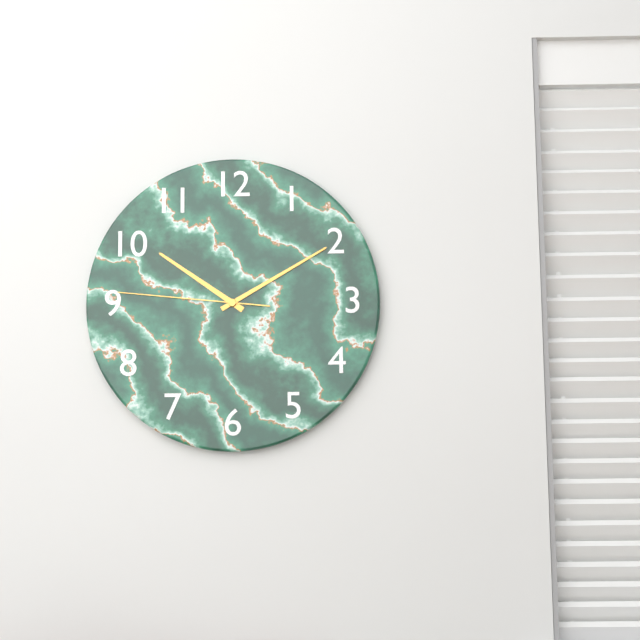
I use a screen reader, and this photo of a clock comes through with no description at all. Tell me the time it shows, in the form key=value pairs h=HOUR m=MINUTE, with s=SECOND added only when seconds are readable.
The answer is h=10 m=10 s=46
